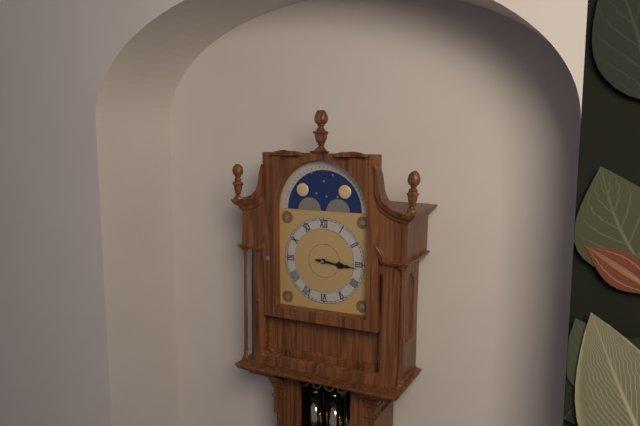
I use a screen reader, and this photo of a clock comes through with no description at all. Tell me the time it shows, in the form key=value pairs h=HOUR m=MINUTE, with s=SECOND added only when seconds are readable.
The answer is h=3 m=16
